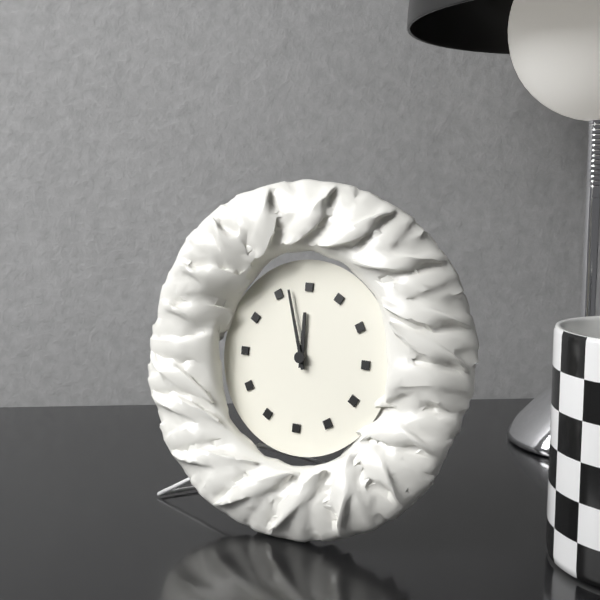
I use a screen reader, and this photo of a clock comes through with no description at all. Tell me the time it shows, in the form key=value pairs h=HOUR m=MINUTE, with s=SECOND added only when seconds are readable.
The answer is h=11 m=57
